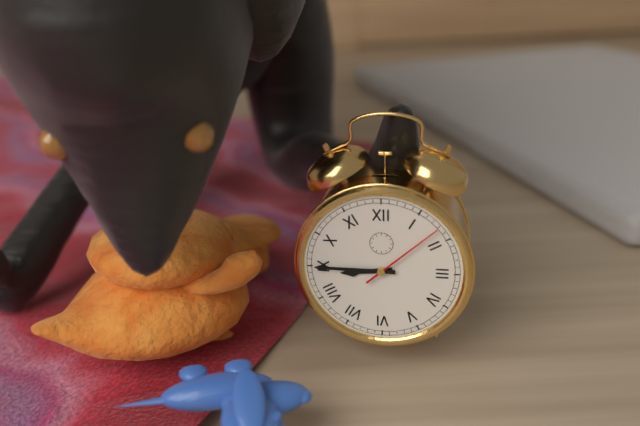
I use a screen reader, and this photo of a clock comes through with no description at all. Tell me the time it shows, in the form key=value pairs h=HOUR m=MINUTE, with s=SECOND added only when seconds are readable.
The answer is h=8 m=45 s=8
